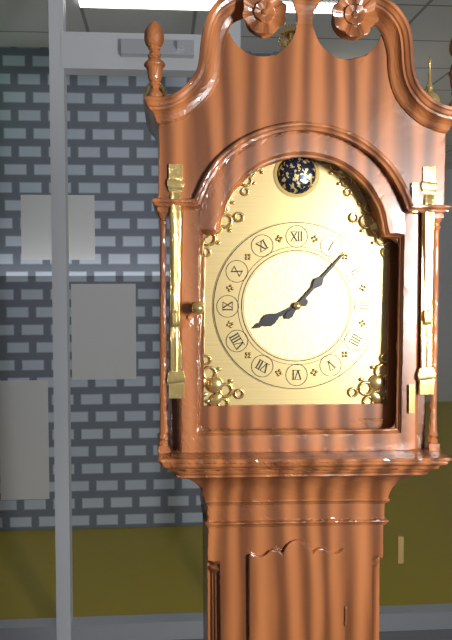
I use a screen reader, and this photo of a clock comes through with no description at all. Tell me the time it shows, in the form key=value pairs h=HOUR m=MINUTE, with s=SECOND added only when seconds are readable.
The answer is h=8 m=7
